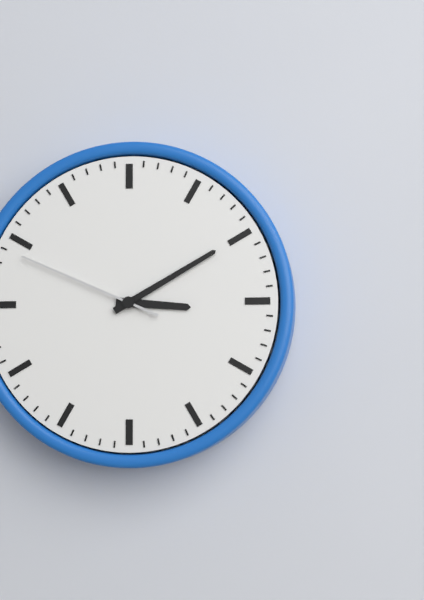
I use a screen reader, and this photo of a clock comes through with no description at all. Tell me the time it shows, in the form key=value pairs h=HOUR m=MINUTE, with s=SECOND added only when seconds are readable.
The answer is h=3 m=10 s=49
